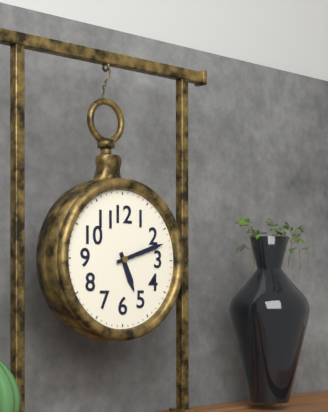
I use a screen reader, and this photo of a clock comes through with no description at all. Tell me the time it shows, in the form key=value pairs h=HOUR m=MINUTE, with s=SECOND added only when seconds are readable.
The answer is h=5 m=12
